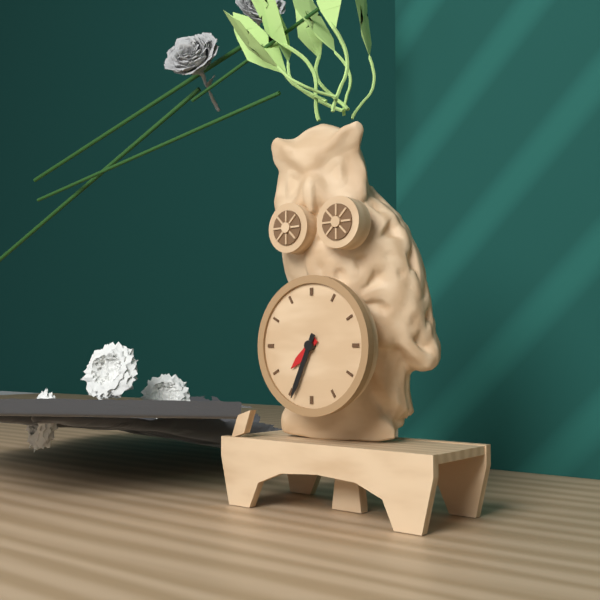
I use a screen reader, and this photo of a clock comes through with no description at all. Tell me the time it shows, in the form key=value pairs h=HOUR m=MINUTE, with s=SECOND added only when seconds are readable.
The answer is h=7 m=34
